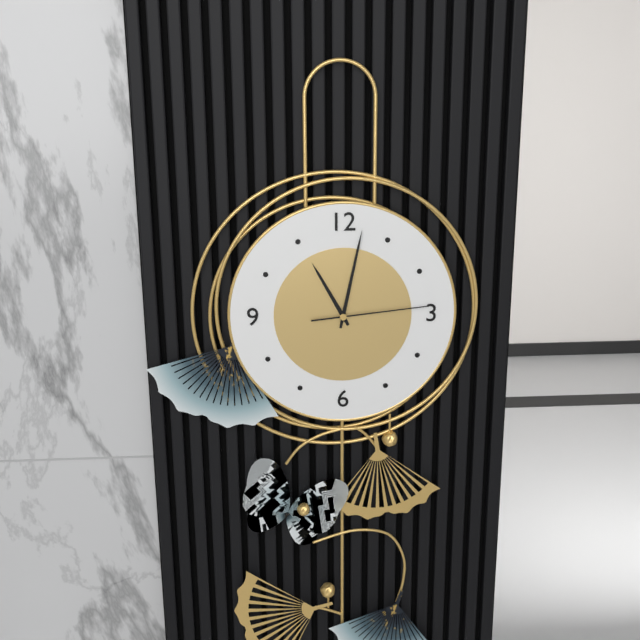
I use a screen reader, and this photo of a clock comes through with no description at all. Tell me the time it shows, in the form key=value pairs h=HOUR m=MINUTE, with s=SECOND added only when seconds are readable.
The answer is h=11 m=2 s=14
